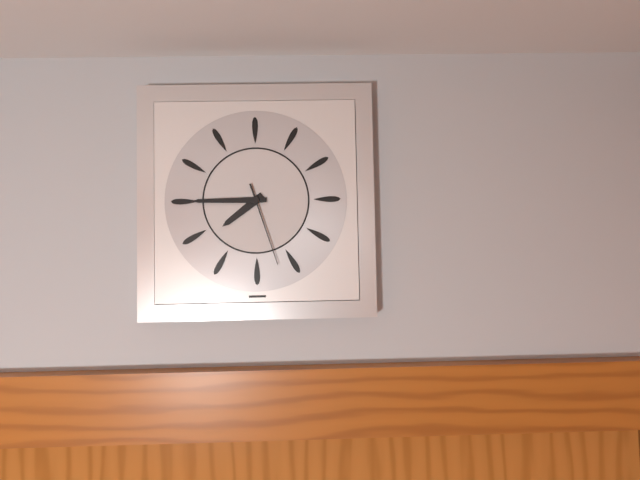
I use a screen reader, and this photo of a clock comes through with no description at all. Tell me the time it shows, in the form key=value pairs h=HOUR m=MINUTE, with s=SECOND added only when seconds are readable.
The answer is h=7 m=45 s=27
